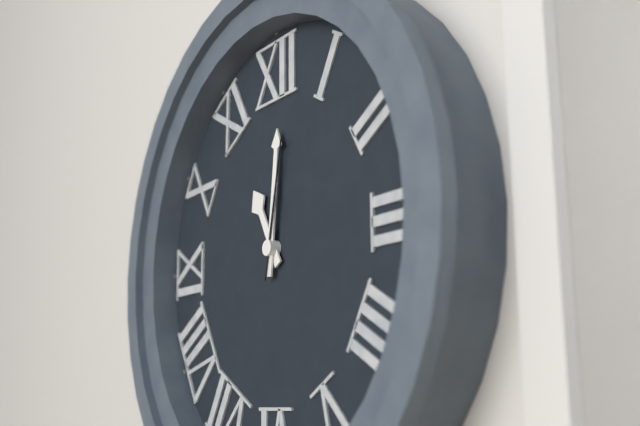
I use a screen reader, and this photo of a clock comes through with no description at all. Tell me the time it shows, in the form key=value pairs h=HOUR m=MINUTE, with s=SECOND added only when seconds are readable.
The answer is h=11 m=1 s=2
